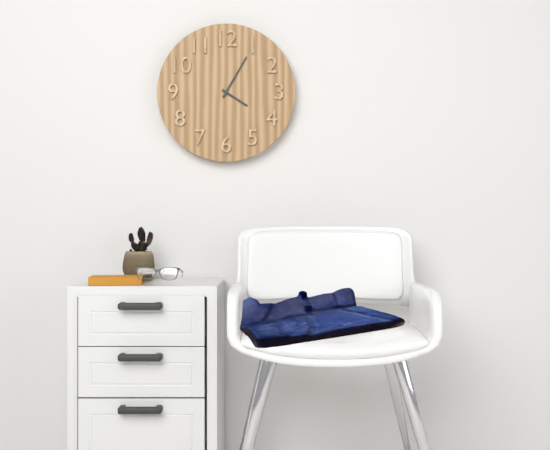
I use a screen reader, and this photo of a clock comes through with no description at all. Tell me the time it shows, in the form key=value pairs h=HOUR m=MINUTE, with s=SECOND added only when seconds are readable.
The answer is h=4 m=5
